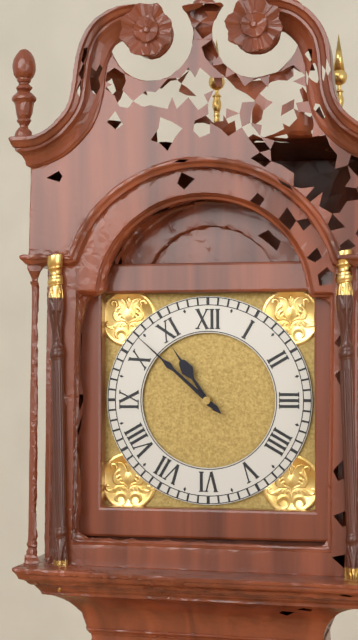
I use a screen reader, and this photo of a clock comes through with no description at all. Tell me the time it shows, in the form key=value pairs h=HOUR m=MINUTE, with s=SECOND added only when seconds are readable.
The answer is h=10 m=52
